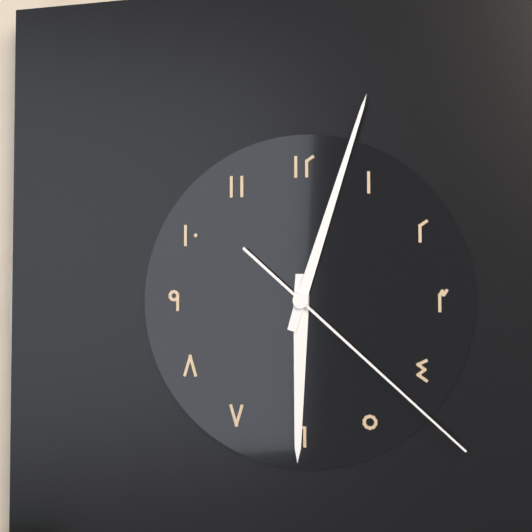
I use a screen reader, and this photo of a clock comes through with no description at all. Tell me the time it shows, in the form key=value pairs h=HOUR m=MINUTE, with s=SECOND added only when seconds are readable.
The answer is h=6 m=3 s=22
